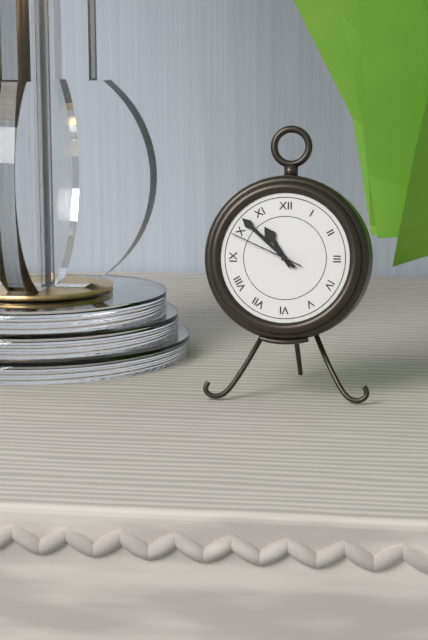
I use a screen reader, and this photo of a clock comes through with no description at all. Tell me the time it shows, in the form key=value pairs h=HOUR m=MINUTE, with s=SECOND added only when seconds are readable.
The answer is h=10 m=52 s=49
